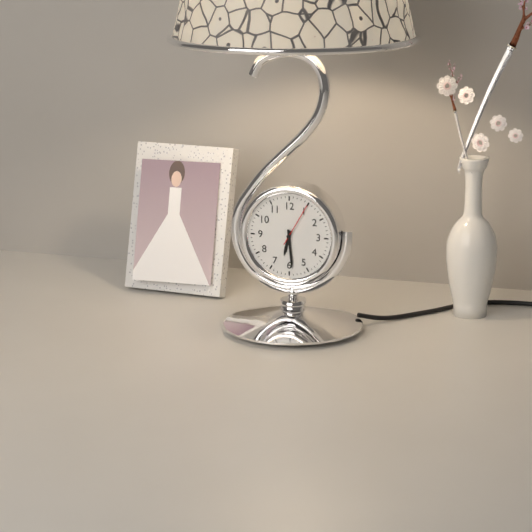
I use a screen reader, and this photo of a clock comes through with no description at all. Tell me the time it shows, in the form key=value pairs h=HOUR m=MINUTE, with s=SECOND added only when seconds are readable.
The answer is h=6 m=29
